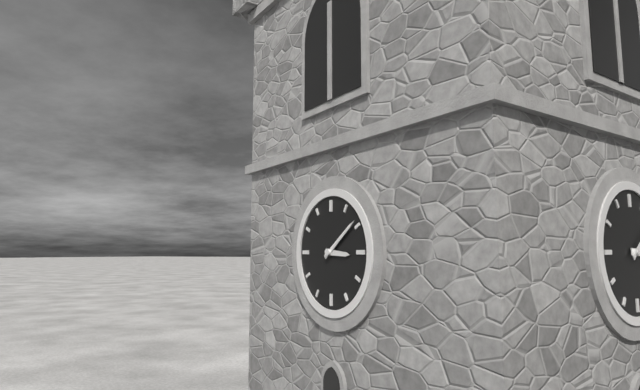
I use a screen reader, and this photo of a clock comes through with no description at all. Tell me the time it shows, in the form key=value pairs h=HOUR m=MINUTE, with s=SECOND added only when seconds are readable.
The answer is h=3 m=9
